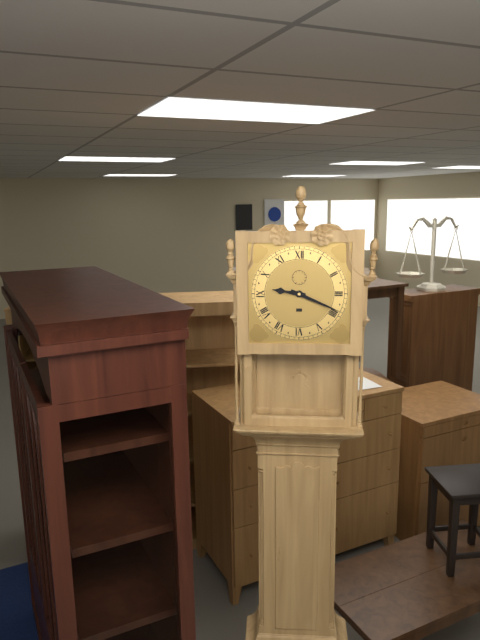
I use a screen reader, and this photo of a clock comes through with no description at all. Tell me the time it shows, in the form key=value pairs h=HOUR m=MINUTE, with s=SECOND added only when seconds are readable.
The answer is h=9 m=19
